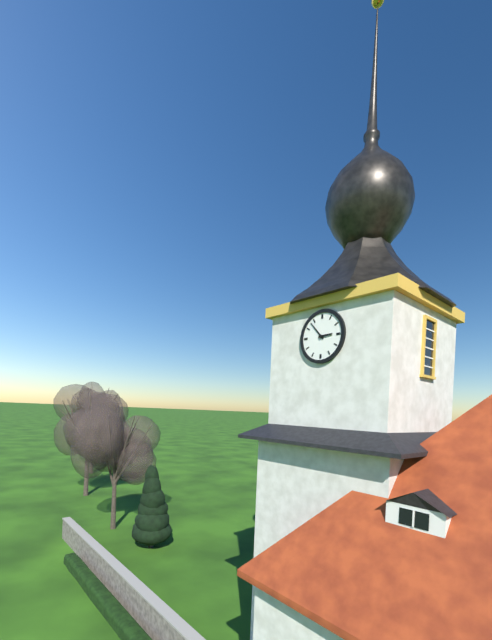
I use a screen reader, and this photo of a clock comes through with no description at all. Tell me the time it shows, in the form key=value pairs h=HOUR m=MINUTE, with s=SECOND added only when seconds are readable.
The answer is h=2 m=53
